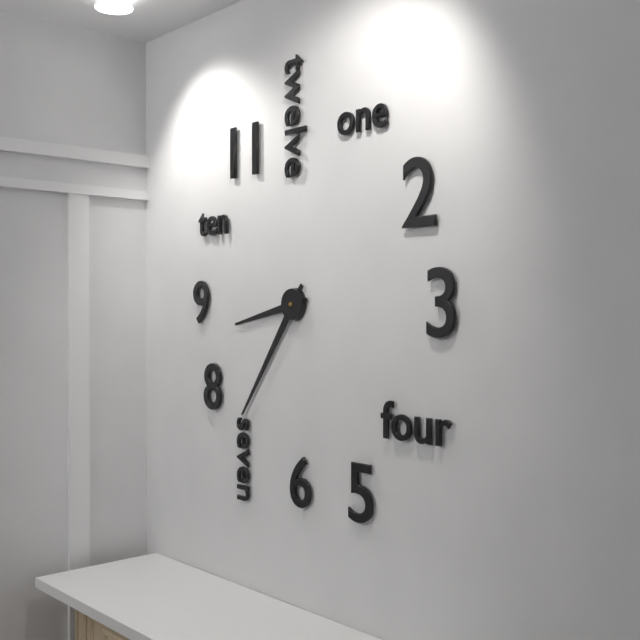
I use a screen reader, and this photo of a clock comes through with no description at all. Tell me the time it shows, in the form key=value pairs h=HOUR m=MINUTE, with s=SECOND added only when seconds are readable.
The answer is h=8 m=36
